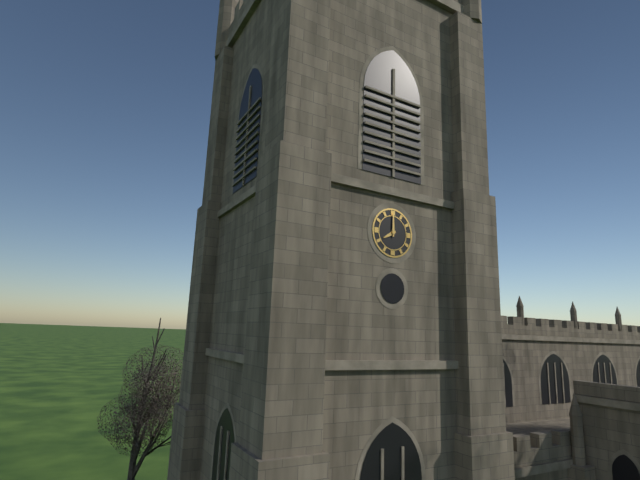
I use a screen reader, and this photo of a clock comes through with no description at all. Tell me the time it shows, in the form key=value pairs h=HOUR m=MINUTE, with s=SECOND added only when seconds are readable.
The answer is h=8 m=0
